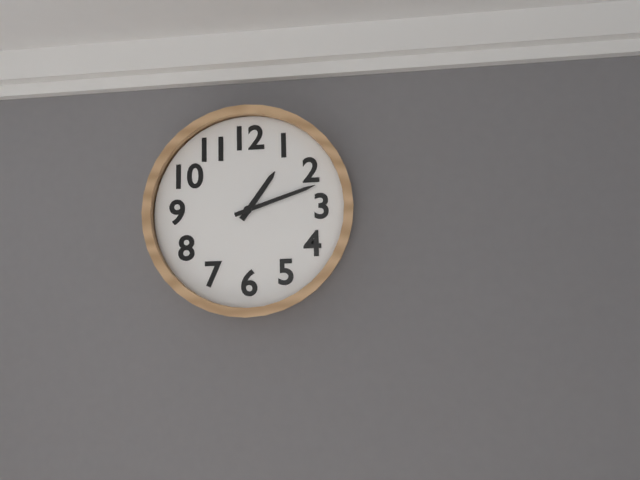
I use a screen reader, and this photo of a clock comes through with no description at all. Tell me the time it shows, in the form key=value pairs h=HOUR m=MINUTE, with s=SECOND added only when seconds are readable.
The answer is h=1 m=12
